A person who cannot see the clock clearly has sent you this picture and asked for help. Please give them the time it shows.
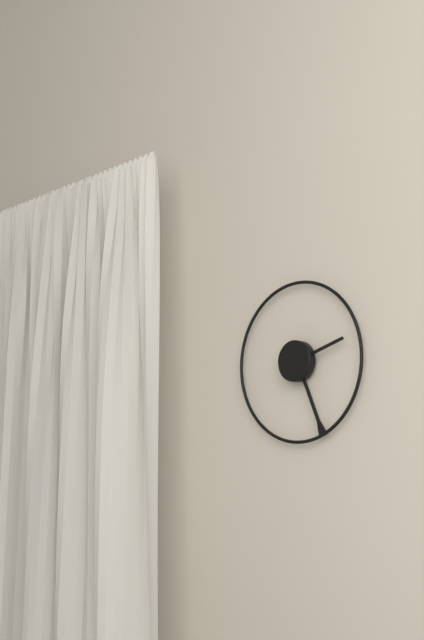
2:26
